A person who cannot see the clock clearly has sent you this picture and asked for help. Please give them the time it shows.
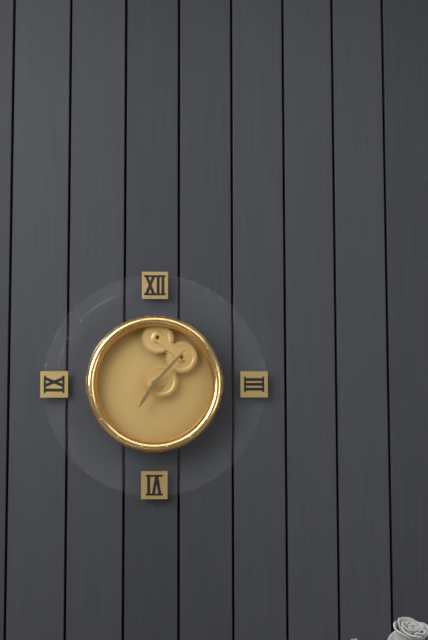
7:07
